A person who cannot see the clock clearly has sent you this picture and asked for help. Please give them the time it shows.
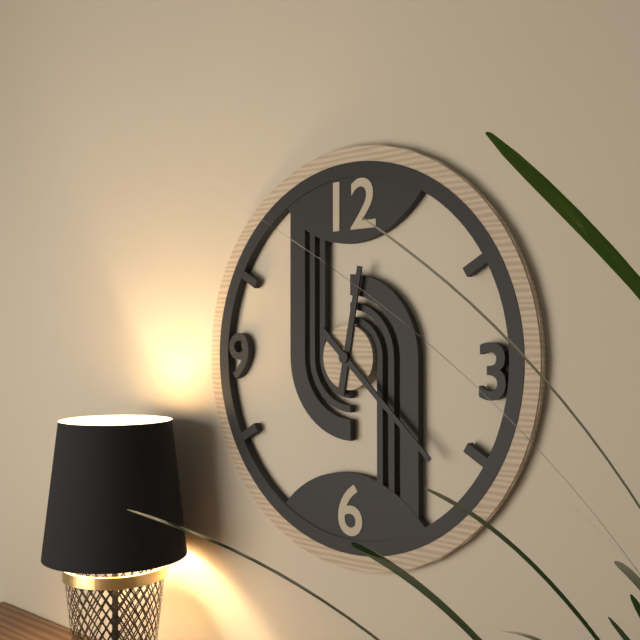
12:22
